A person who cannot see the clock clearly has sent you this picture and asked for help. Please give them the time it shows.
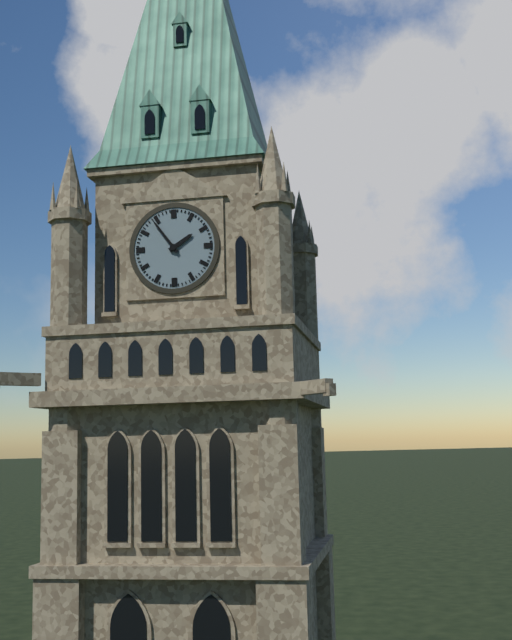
1:54
